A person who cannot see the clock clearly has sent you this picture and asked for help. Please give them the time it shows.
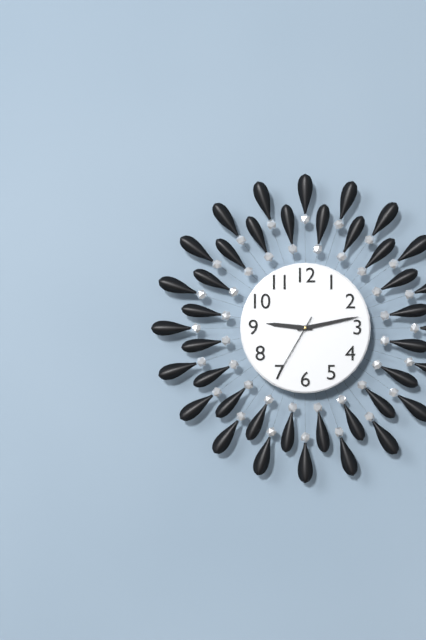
9:13:35
